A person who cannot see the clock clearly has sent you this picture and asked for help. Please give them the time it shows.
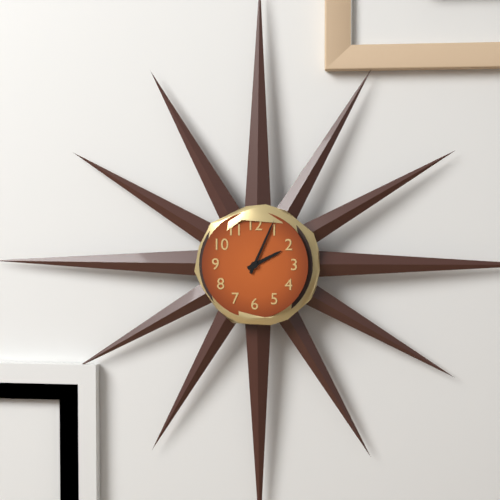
2:04
